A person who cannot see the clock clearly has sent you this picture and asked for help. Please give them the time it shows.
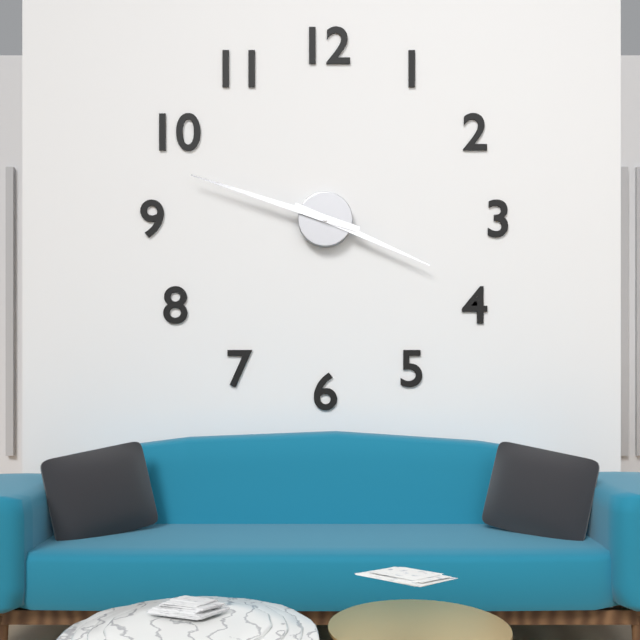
3:48
